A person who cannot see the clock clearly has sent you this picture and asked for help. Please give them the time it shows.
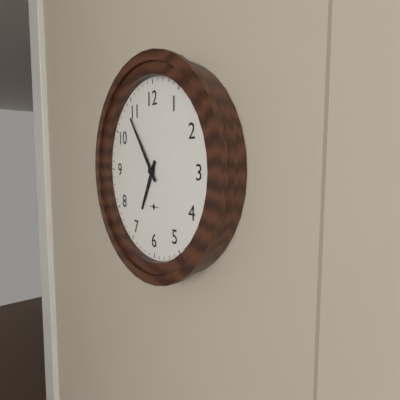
6:54
